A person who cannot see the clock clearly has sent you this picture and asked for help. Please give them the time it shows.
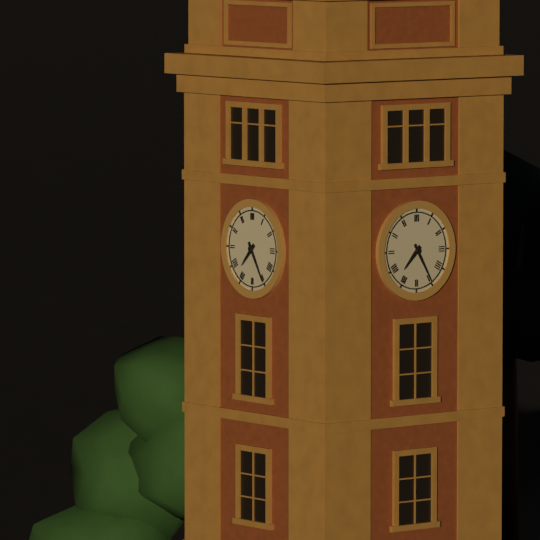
7:25
